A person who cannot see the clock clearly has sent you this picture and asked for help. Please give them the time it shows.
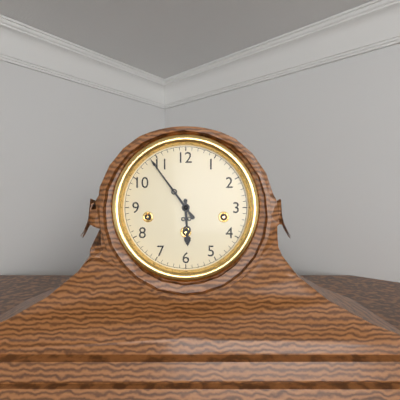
5:54
